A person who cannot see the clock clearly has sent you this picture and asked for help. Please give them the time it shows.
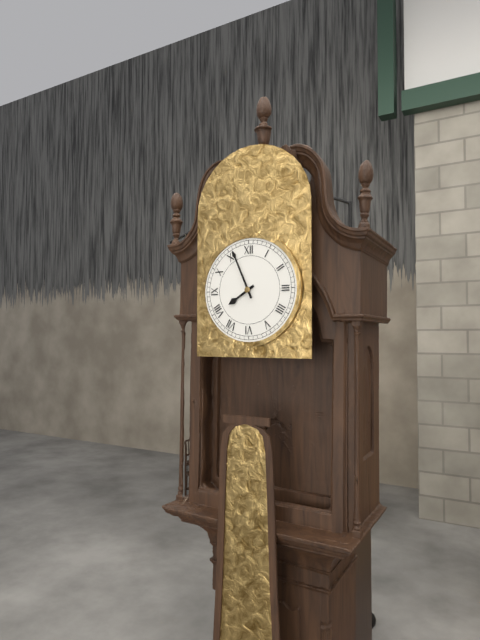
7:56
